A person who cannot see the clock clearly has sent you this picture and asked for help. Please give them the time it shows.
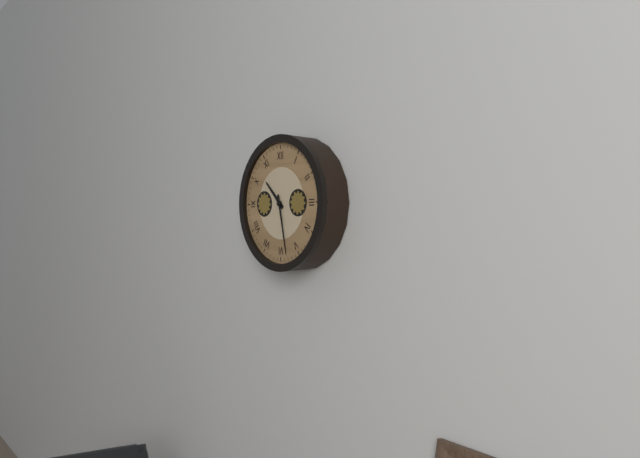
10:28
